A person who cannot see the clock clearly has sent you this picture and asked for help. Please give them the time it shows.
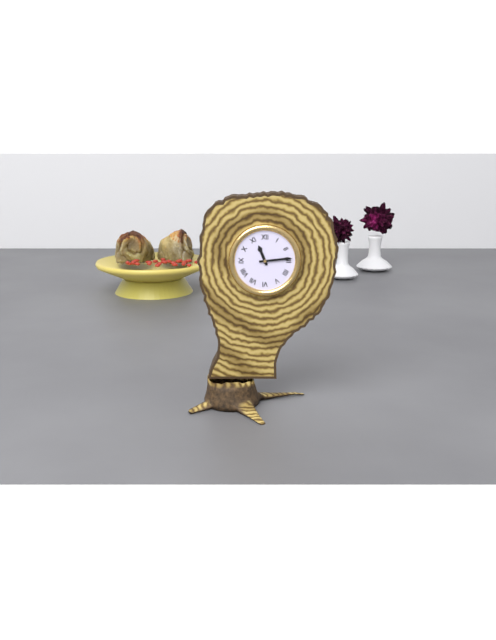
11:14
